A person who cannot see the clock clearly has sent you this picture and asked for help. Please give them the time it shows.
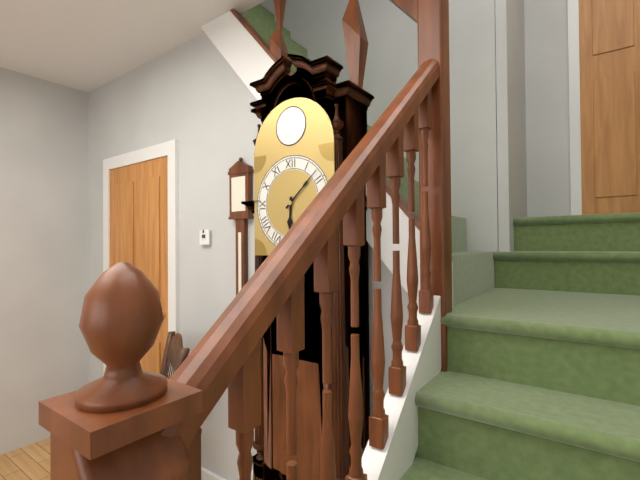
6:08
